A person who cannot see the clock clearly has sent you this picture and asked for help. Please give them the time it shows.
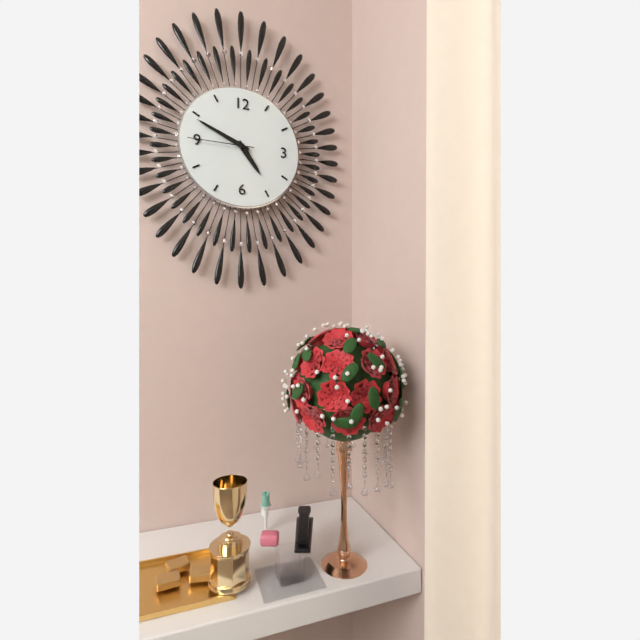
4:49:45
